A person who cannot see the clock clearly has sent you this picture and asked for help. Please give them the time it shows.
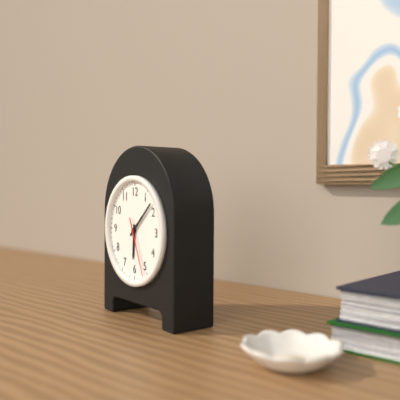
6:08:26
